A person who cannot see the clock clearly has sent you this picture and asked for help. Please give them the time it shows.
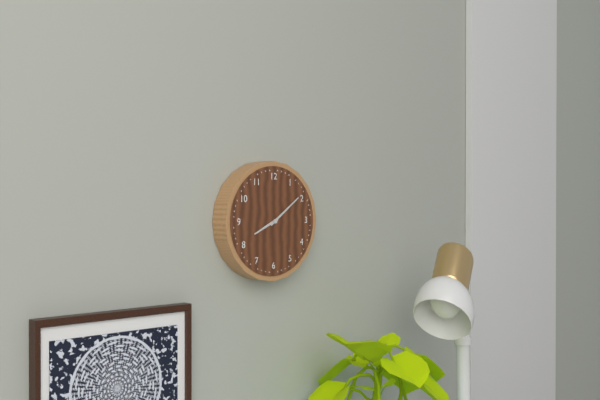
8:09
